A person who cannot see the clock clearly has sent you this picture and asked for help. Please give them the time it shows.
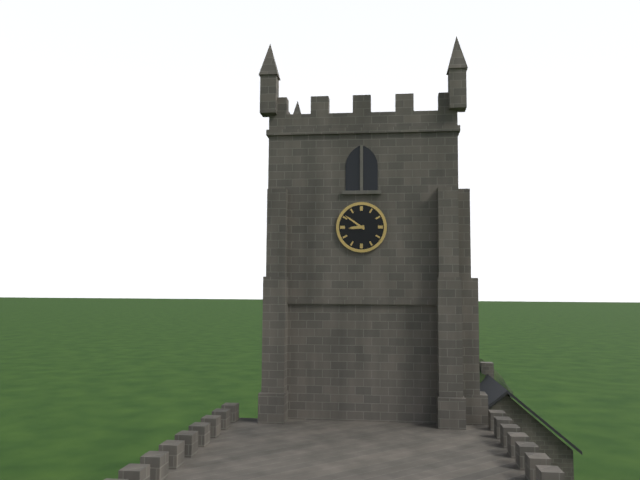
8:51
